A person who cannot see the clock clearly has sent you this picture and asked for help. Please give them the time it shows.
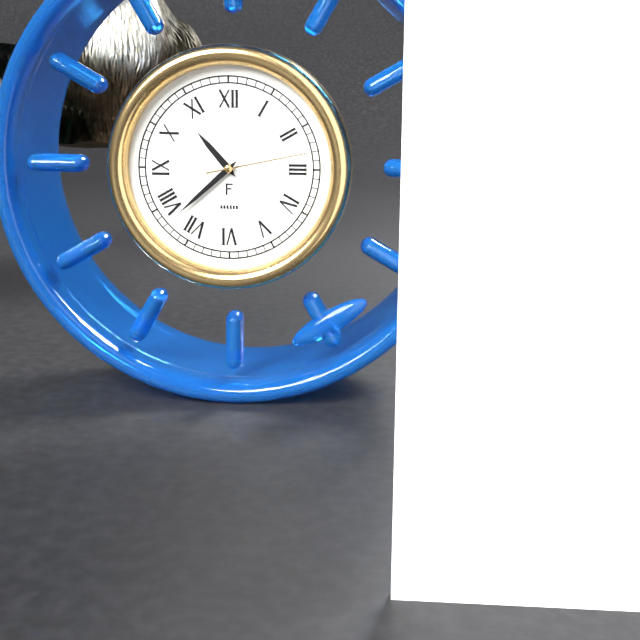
10:38:13
